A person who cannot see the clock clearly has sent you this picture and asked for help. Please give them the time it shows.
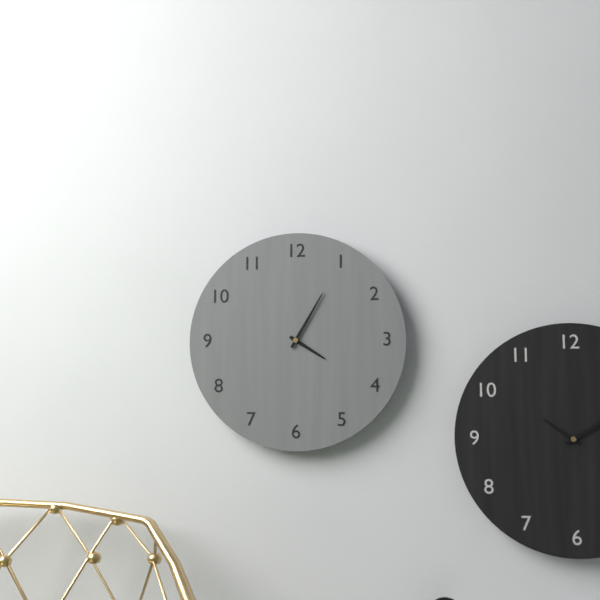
4:05
